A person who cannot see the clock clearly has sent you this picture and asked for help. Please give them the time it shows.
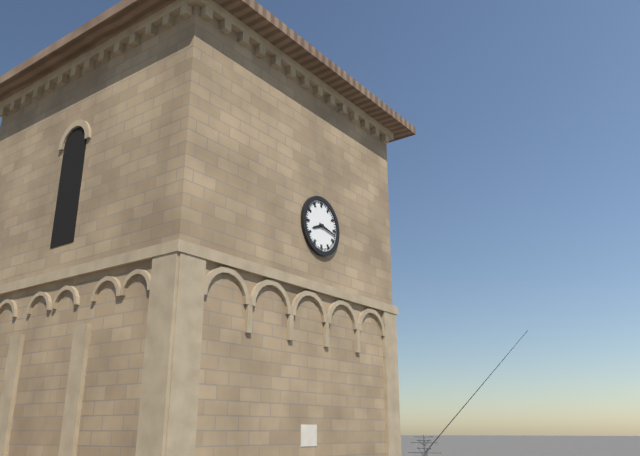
8:17
